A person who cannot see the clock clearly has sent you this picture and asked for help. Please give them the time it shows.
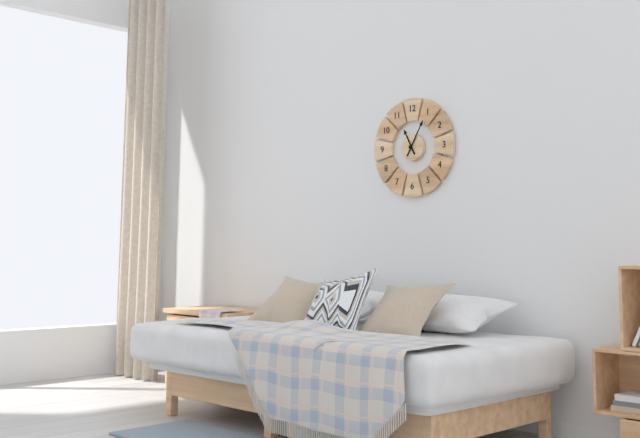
11:05
